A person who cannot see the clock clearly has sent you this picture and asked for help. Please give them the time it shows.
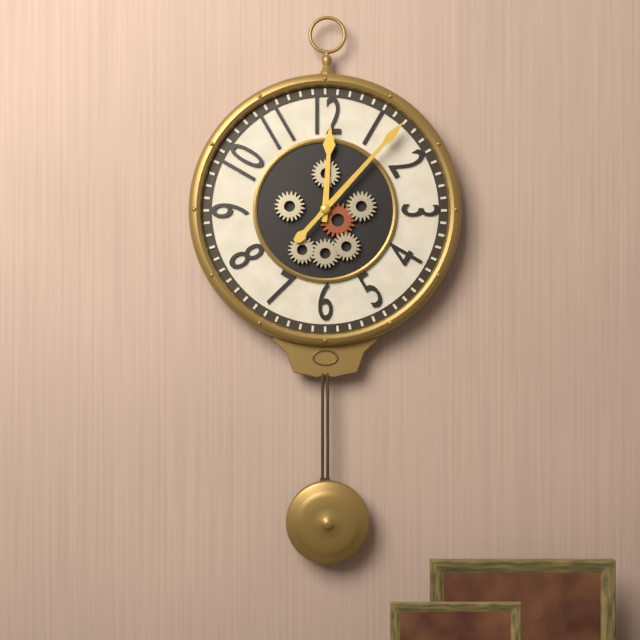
12:07
